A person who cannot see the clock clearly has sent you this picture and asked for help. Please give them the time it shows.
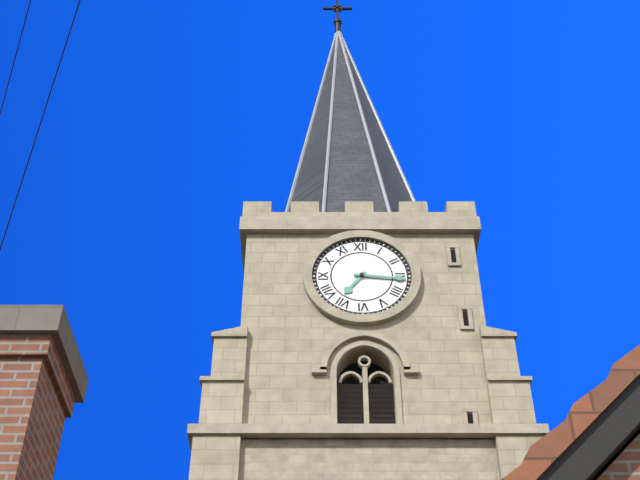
7:16
